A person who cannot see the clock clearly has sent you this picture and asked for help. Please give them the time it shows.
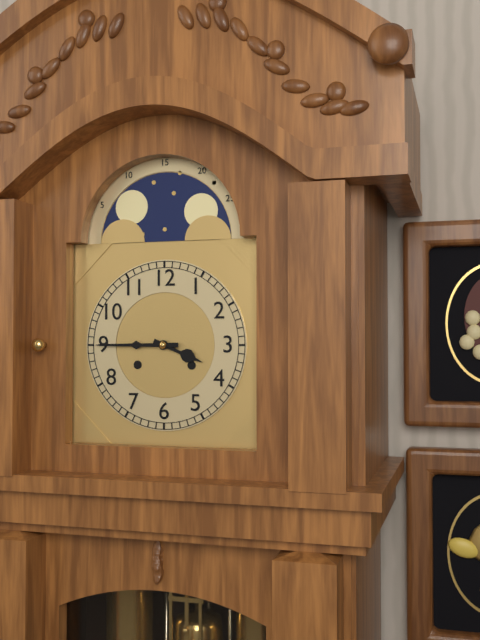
3:45
